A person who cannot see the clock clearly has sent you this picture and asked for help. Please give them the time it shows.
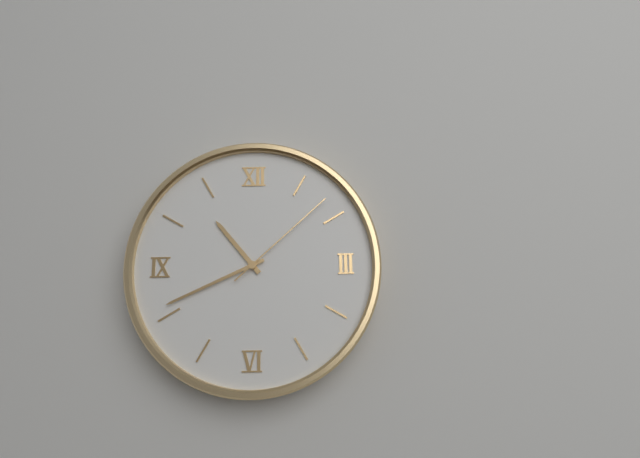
10:41:08
